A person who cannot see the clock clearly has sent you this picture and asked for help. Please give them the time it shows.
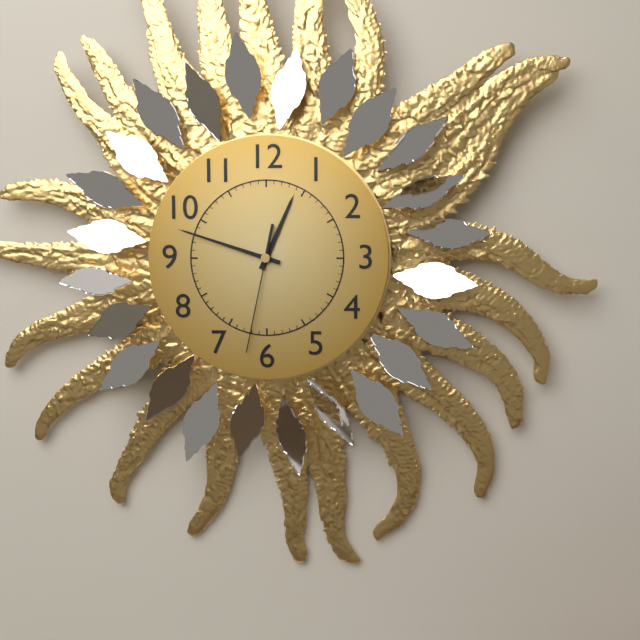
12:48:32
